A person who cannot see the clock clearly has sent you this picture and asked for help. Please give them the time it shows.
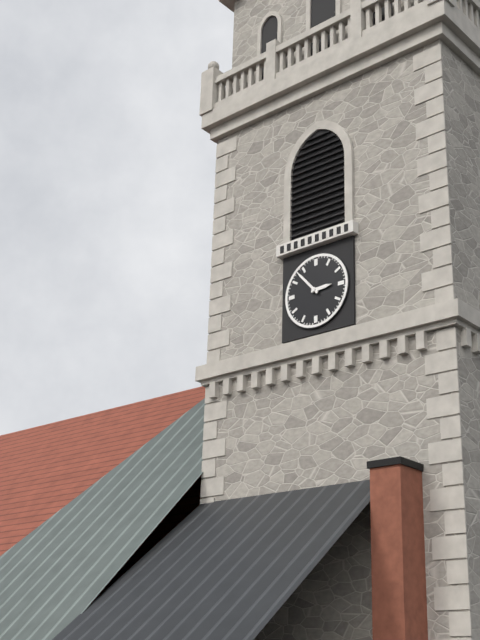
2:53
